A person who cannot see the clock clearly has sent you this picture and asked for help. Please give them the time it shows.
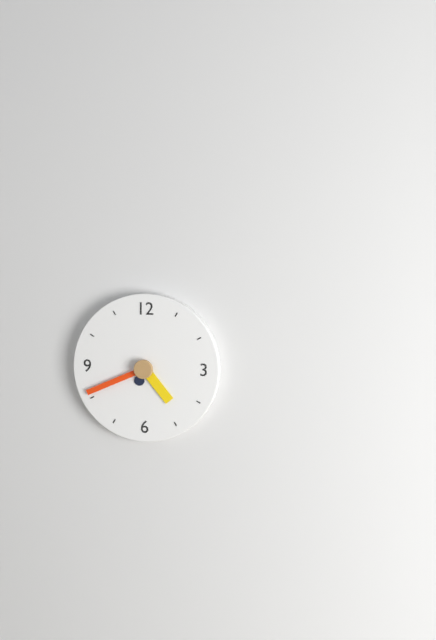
4:41
